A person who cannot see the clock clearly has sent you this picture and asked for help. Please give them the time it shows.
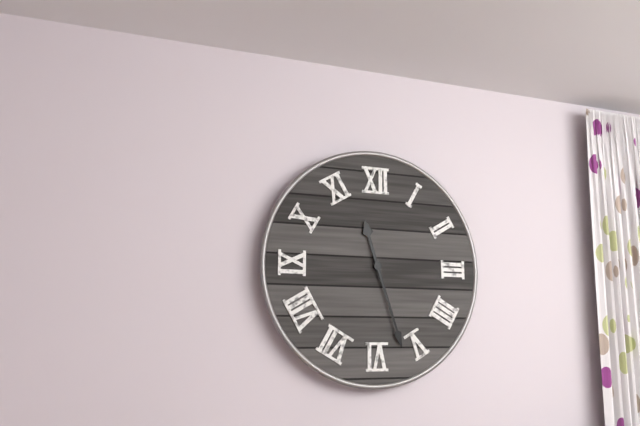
11:27
